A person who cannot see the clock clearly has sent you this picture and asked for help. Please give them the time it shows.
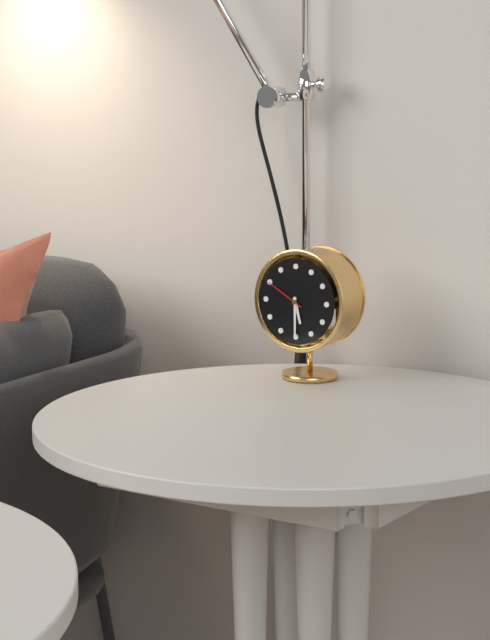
5:30
